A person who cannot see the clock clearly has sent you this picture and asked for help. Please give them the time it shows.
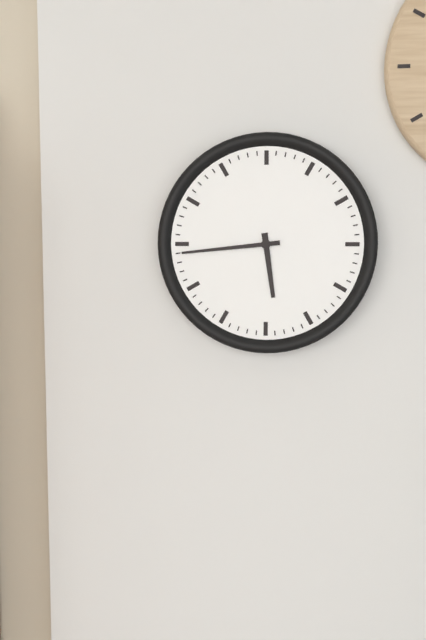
5:44
